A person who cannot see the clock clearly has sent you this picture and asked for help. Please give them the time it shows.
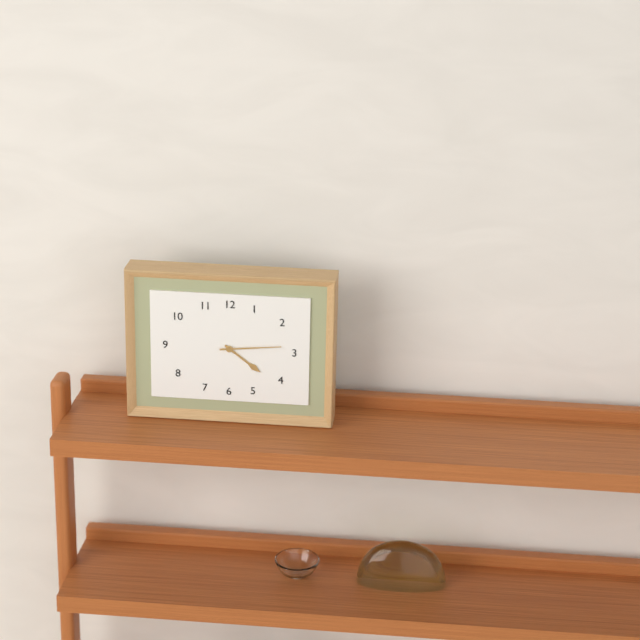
4:14
